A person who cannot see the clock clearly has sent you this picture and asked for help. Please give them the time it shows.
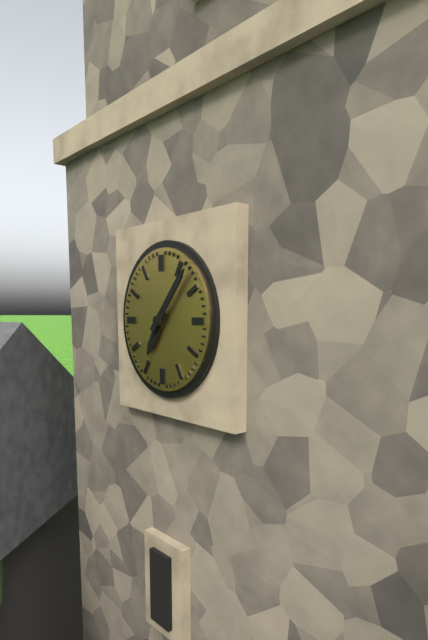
7:07
